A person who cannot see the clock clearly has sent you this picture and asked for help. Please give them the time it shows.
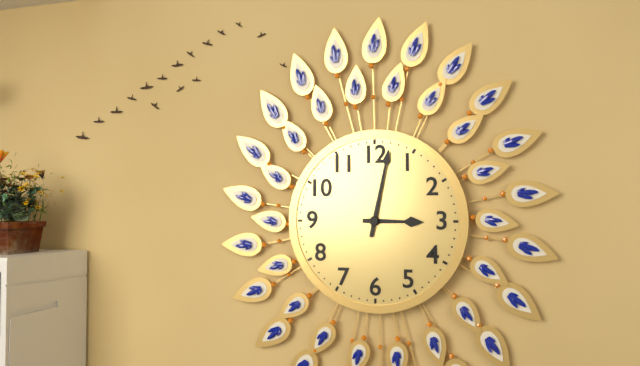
3:02
